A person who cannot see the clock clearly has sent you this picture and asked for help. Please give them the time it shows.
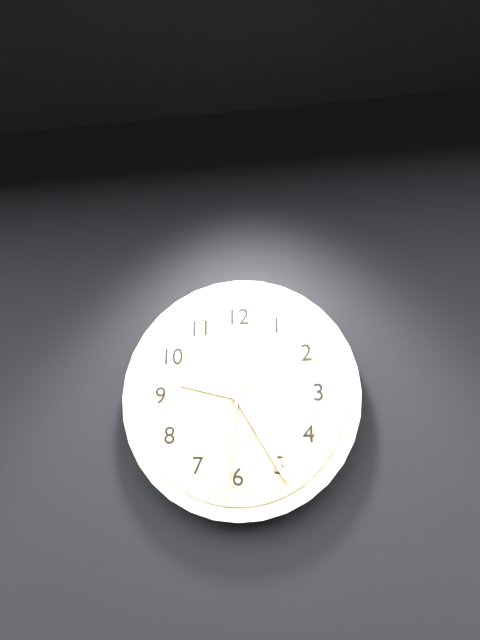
9:25:31
